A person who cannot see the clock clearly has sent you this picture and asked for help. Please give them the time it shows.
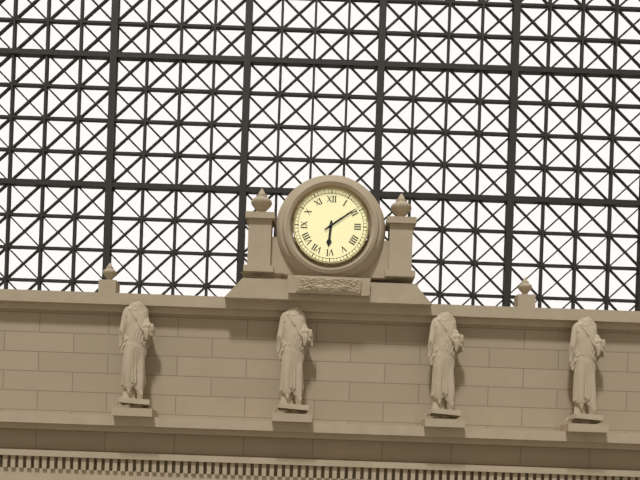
6:09
